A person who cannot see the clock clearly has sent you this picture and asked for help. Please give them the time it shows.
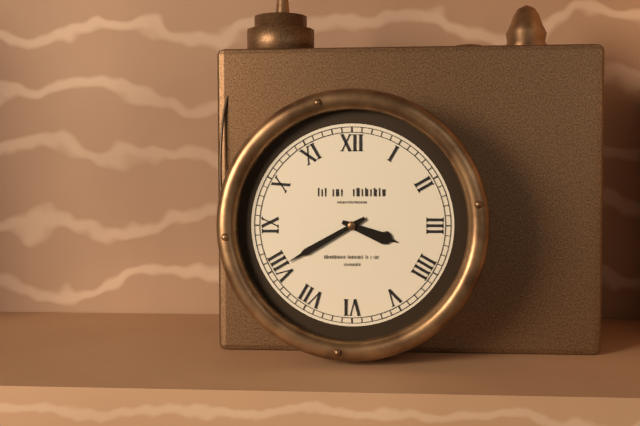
3:40
